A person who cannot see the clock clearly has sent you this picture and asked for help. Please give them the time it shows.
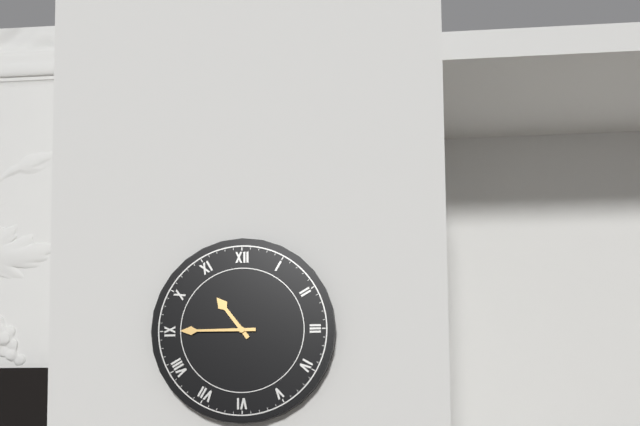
10:45
